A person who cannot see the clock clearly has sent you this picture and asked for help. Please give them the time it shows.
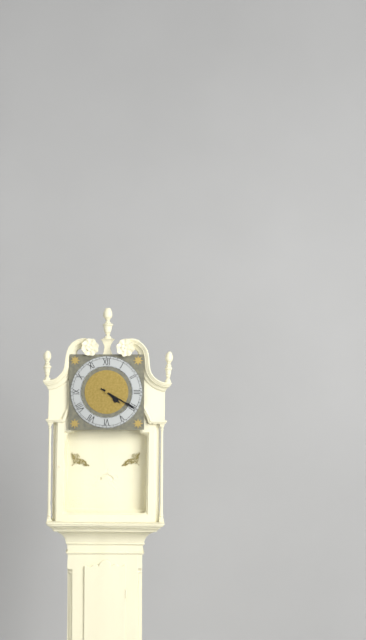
4:20
